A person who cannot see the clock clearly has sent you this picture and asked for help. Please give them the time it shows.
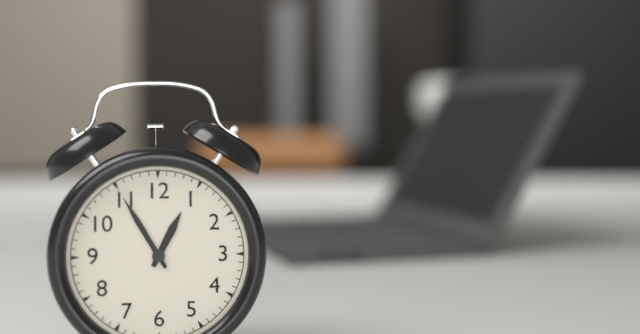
12:55
